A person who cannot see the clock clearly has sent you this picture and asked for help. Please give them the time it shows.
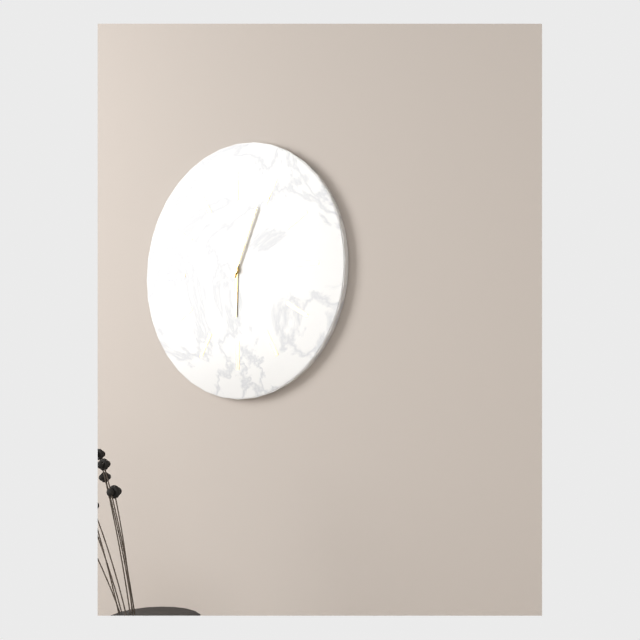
6:04
